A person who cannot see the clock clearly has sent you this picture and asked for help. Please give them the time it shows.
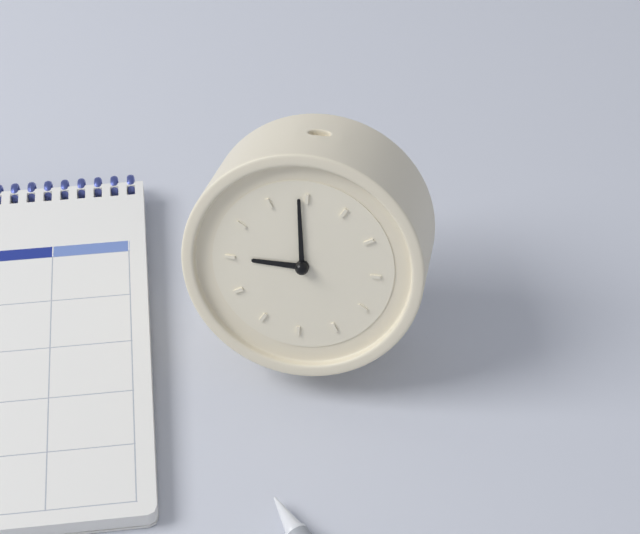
8:59
